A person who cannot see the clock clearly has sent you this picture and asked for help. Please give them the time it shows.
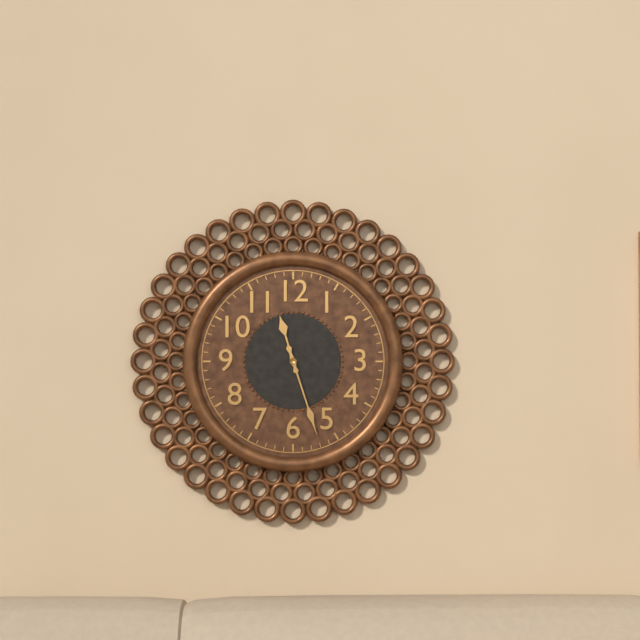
11:27
